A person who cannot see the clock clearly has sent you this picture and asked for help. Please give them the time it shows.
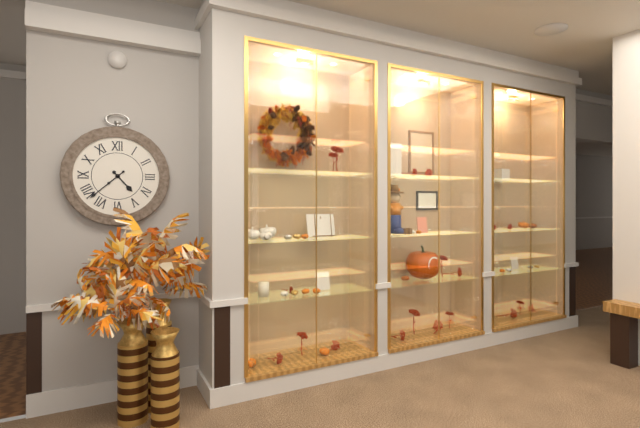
4:38
